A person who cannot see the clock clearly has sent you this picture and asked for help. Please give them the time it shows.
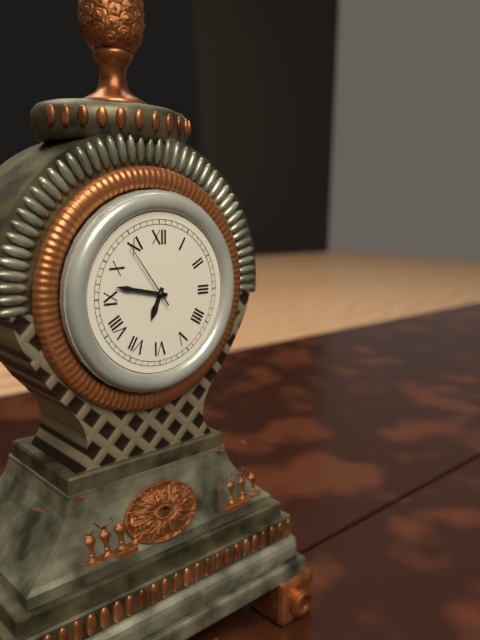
6:47:54
